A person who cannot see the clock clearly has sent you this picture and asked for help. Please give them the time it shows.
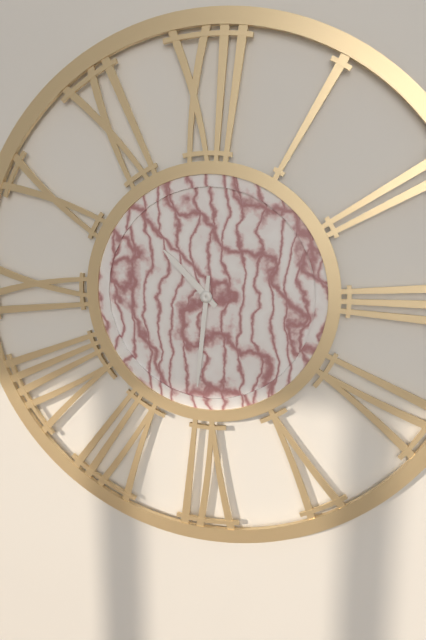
10:31
